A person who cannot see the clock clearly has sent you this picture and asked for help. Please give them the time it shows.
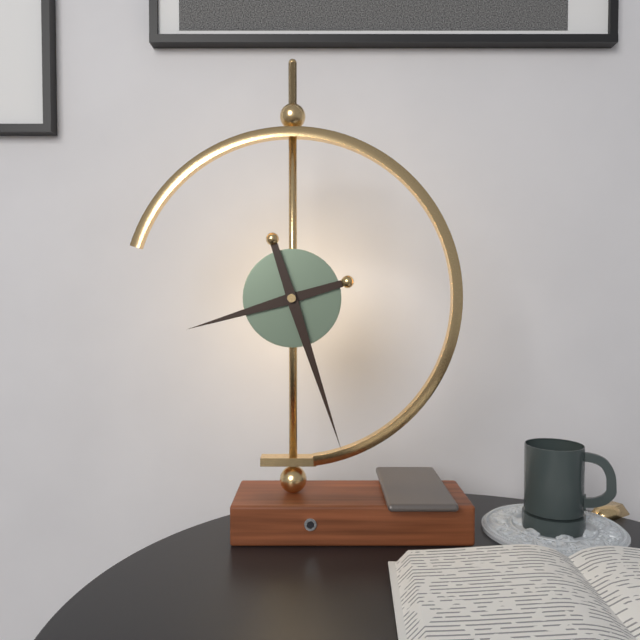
8:27
